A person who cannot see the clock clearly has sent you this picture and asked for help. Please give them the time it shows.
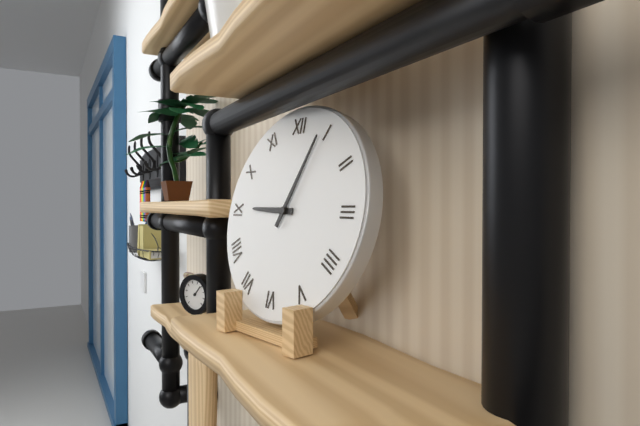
9:04
